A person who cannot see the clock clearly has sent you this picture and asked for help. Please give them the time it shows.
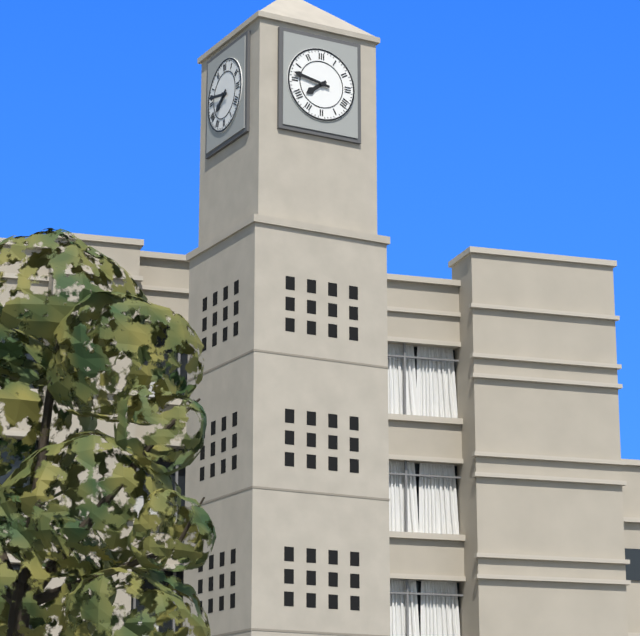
7:47
